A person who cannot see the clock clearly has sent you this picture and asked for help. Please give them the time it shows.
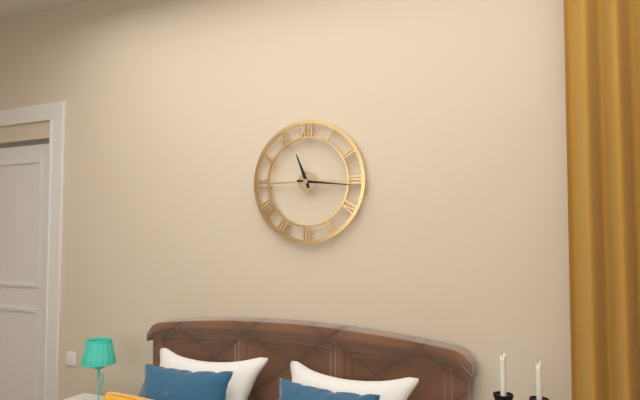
11:16
